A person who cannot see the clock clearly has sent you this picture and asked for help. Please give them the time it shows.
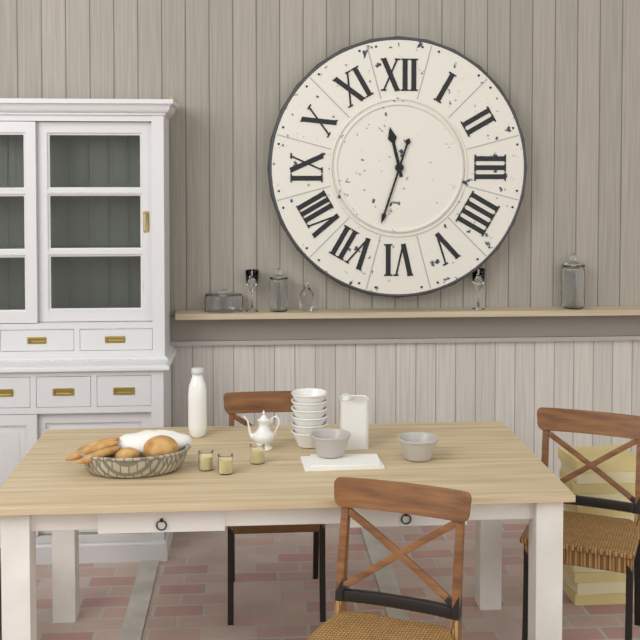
11:33
